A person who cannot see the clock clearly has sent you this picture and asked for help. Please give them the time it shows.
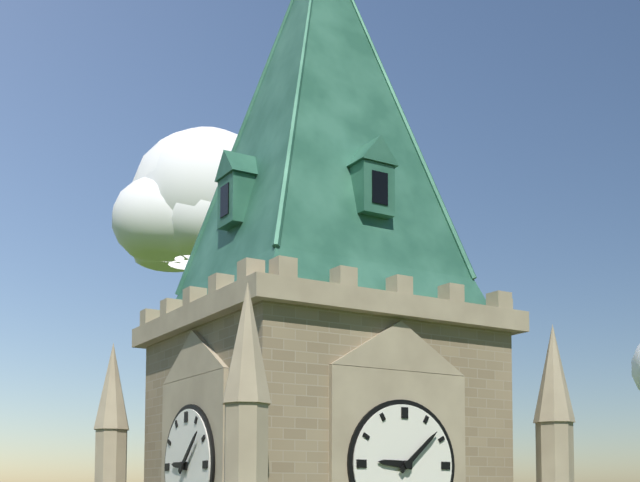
9:08
